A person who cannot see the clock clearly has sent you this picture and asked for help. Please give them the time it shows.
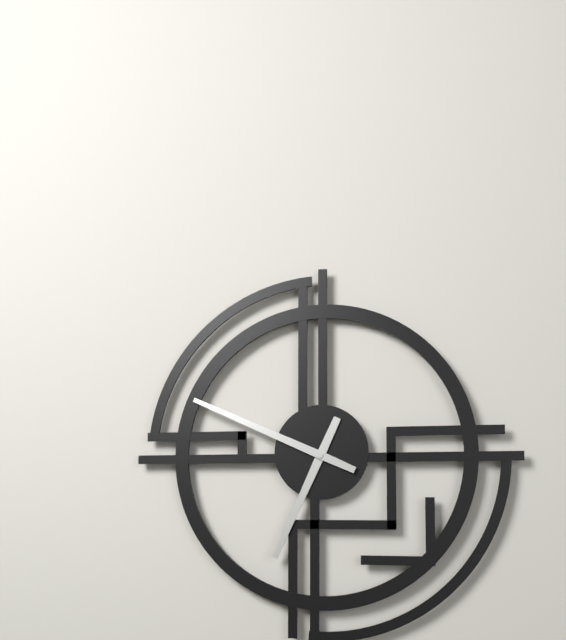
6:49
